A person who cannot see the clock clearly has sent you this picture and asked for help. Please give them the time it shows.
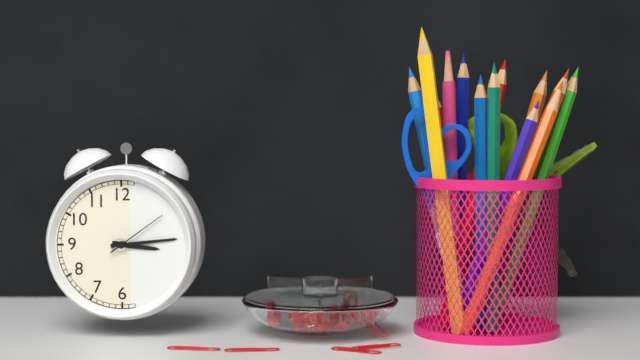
3:14:09
